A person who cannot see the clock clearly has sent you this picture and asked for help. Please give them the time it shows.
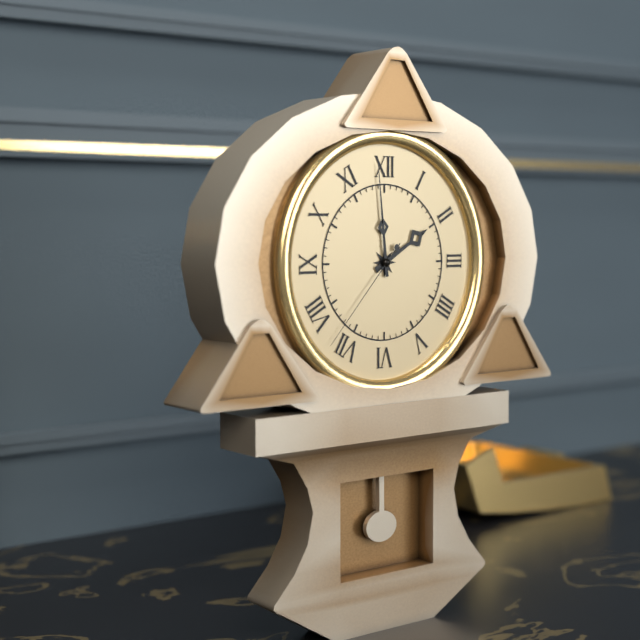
1:59:37
